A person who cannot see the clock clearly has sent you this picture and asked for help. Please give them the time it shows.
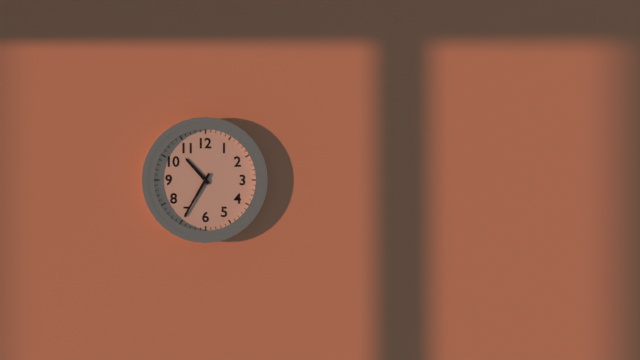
10:35
